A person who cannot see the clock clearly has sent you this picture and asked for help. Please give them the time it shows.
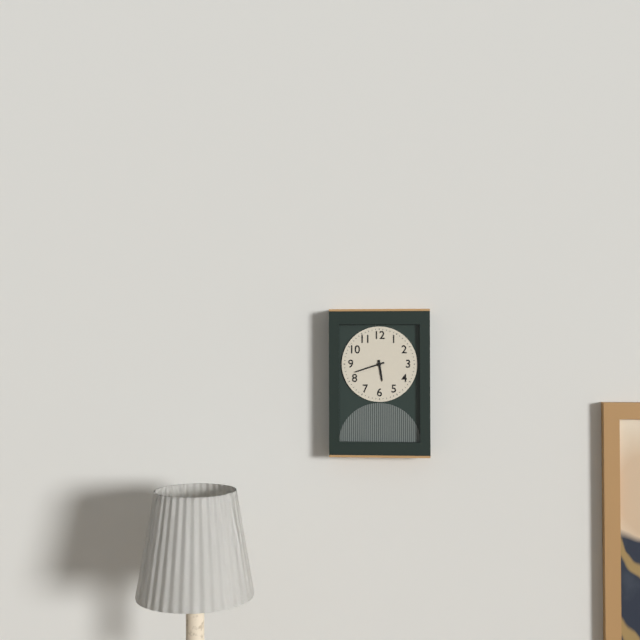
5:42
